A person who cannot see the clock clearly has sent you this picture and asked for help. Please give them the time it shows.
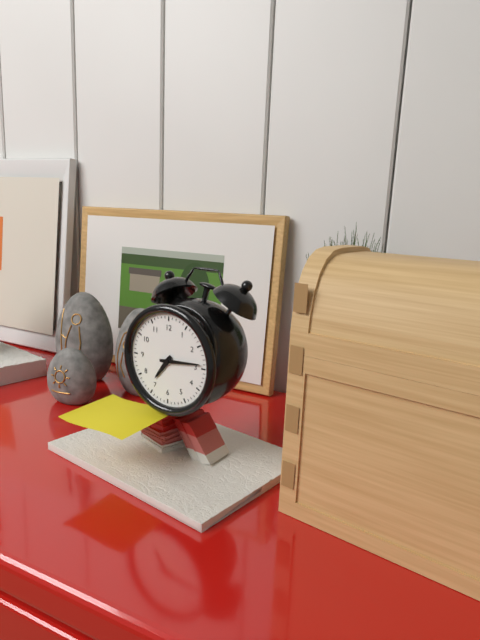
7:14
